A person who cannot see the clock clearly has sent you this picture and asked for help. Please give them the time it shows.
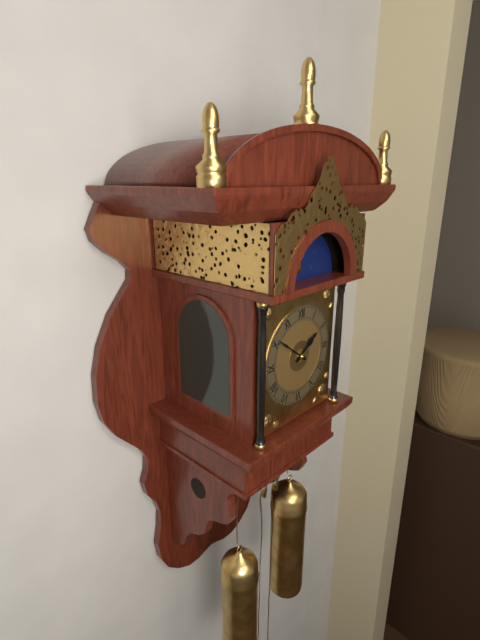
1:51
